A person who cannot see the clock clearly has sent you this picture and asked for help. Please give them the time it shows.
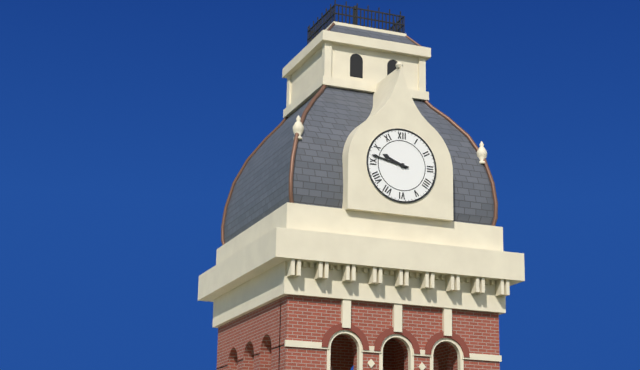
9:47
